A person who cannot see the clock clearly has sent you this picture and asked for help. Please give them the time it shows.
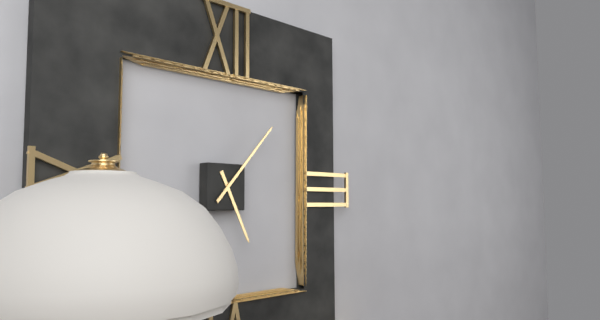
5:07
